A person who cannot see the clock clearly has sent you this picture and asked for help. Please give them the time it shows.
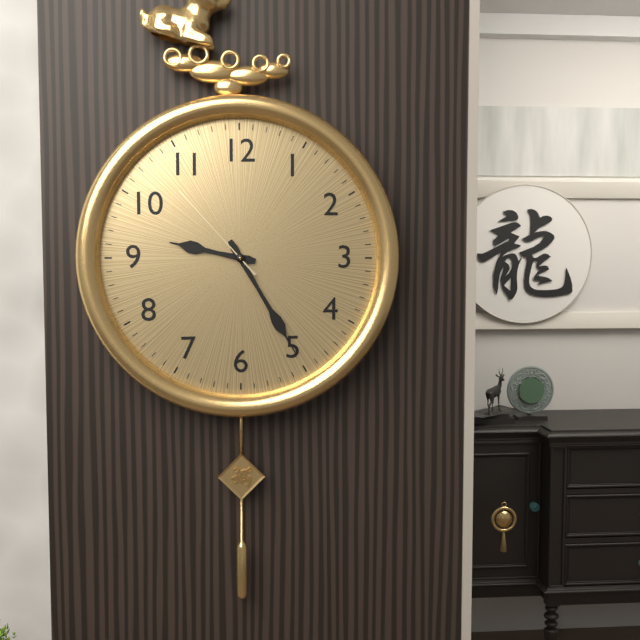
9:25:53
